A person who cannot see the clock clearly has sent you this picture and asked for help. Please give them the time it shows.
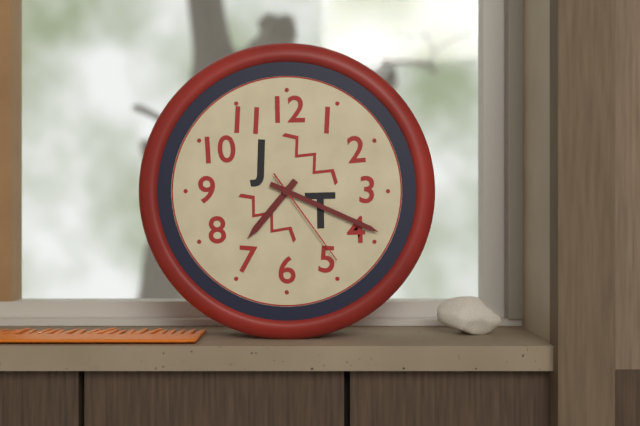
7:19:24
